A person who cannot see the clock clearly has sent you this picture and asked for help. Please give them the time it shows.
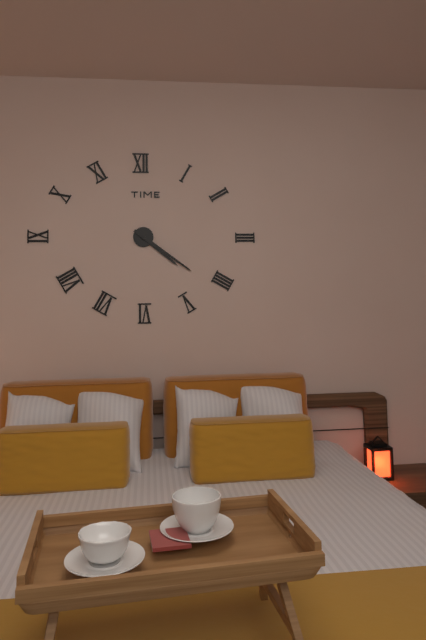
4:21
